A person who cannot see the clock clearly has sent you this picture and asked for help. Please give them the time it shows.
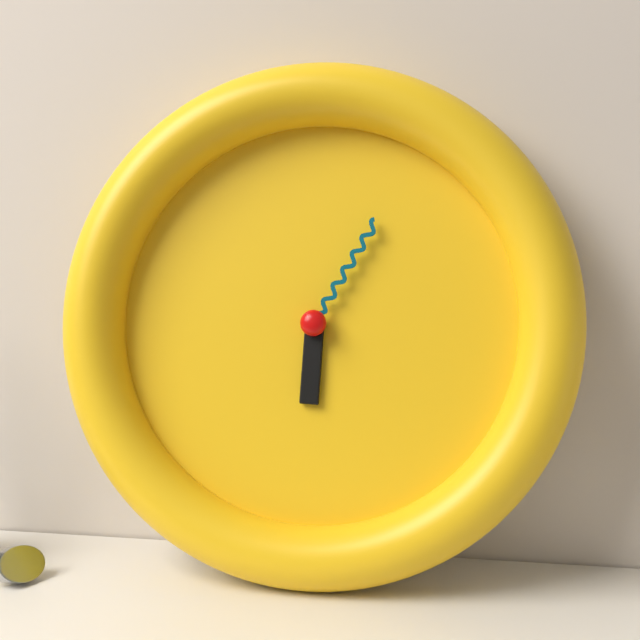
6:05
